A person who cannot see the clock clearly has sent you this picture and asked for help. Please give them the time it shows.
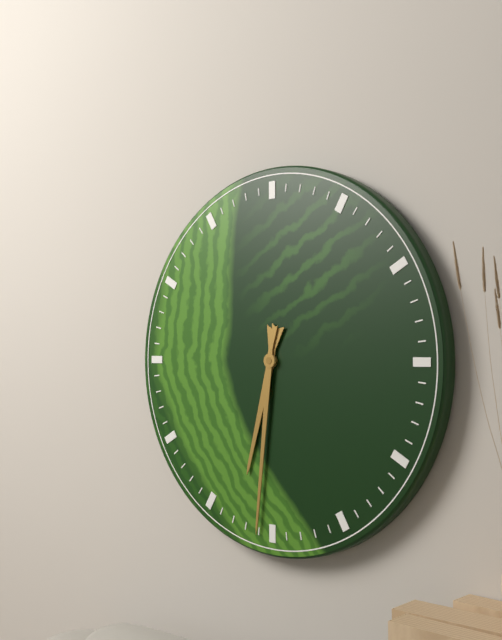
6:31
